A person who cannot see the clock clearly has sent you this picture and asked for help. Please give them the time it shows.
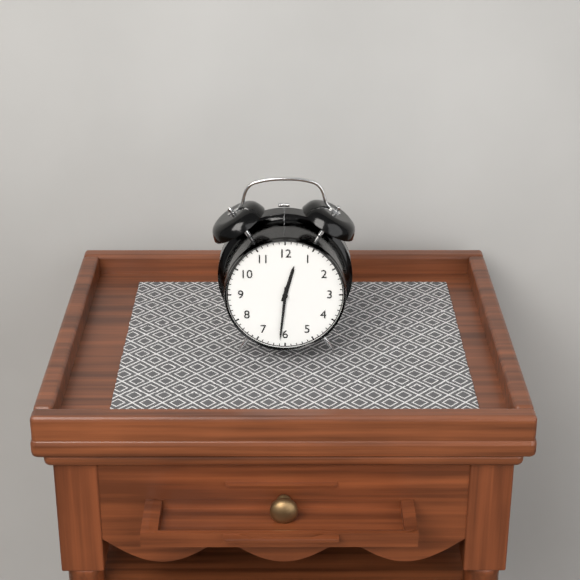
12:31
